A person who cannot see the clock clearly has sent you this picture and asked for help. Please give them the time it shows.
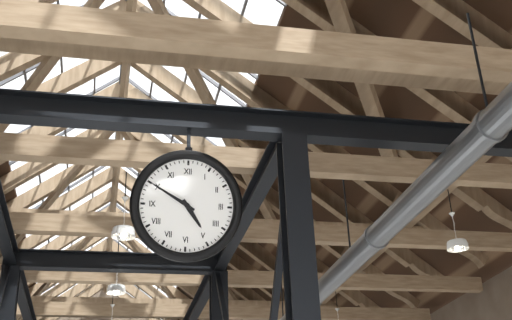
4:50
